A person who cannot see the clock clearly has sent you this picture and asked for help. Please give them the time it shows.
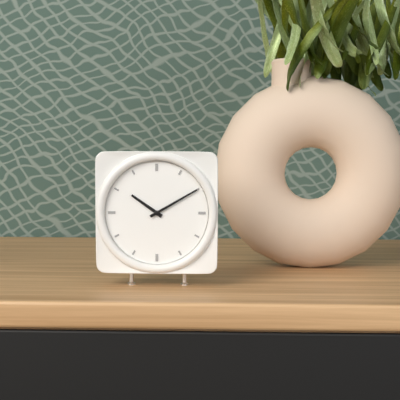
10:10
